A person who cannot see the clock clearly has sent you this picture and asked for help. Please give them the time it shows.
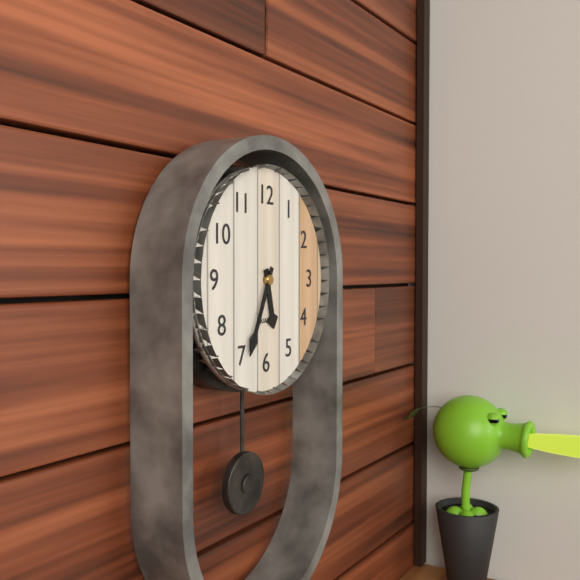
5:34
